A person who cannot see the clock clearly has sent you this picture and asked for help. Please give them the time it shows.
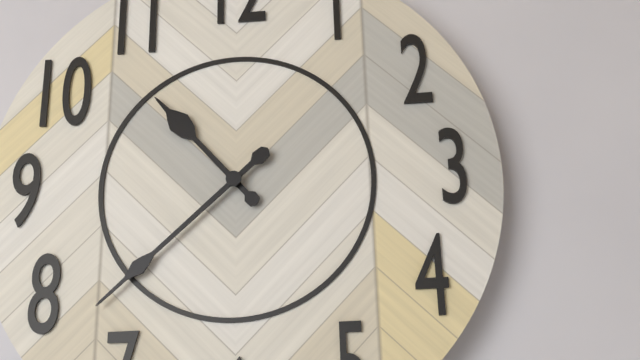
10:38
